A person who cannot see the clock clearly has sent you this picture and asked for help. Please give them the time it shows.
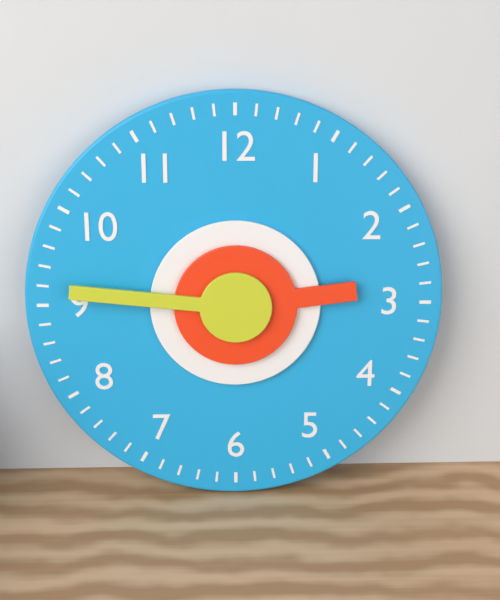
2:46
